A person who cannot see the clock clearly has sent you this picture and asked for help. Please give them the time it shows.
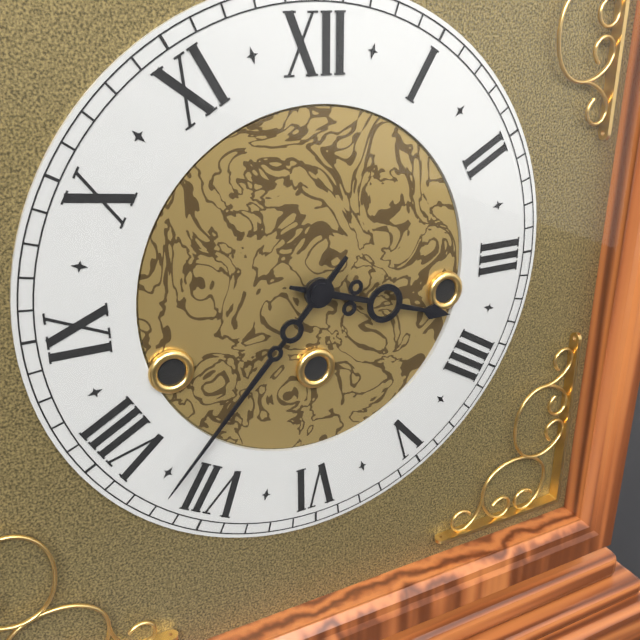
3:37
